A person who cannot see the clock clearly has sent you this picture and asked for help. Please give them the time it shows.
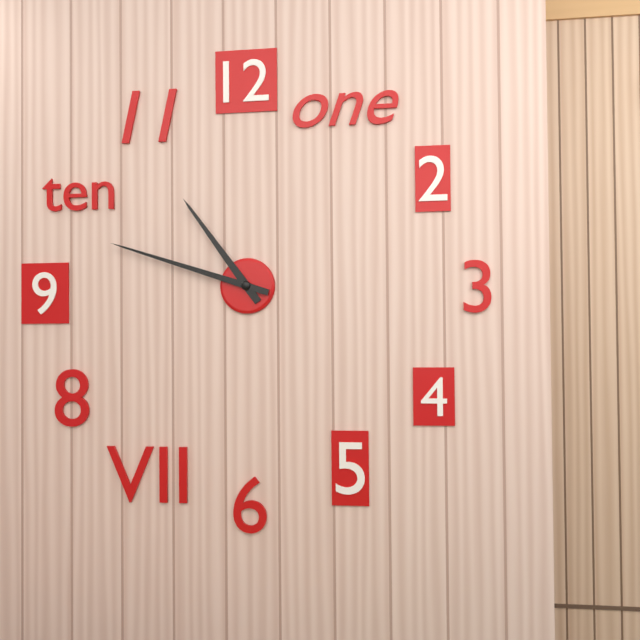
10:48
